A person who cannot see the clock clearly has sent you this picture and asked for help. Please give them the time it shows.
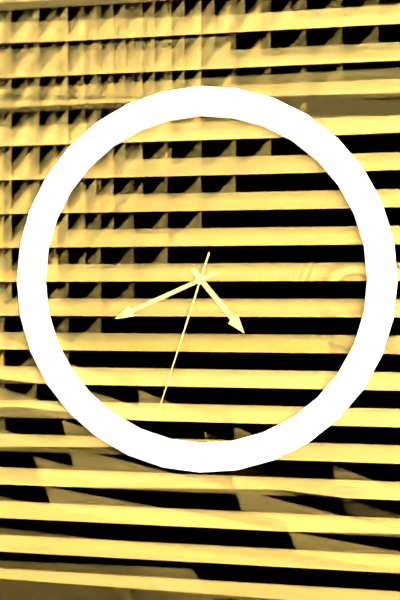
4:41:33
